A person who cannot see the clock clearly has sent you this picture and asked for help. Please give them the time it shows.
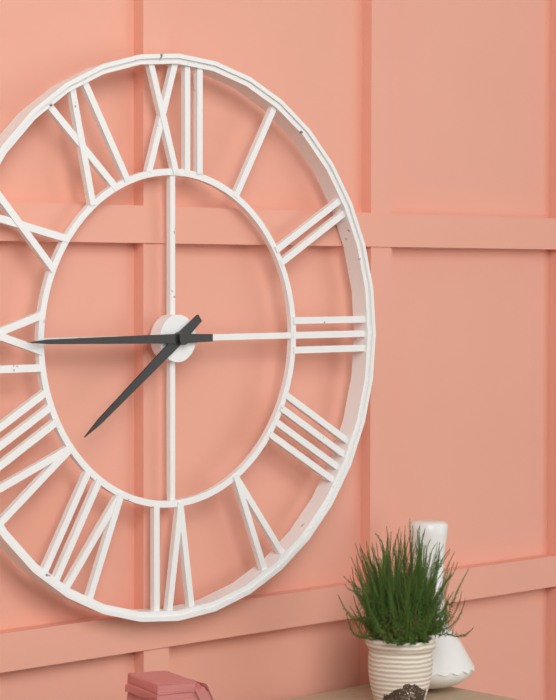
7:45
